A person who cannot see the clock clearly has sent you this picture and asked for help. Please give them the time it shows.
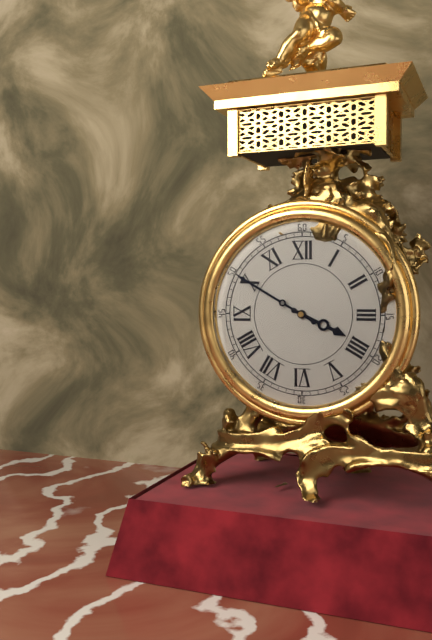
3:50
